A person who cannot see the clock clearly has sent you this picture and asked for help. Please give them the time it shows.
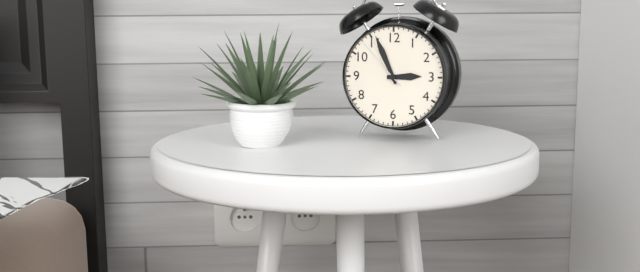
2:56:53
